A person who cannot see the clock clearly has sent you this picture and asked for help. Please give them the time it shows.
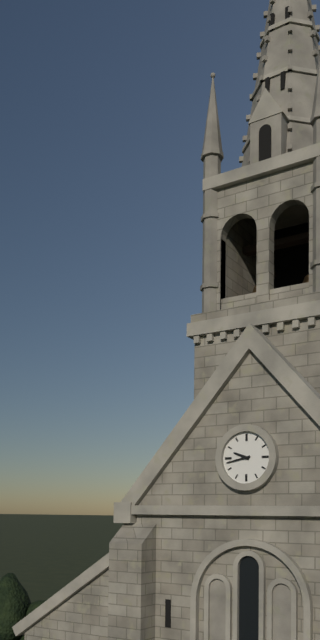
9:43
